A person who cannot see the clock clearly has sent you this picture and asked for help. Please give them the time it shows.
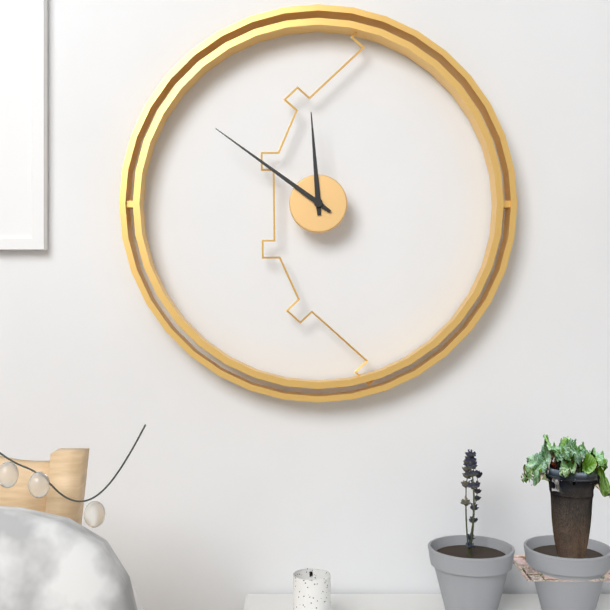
11:51
